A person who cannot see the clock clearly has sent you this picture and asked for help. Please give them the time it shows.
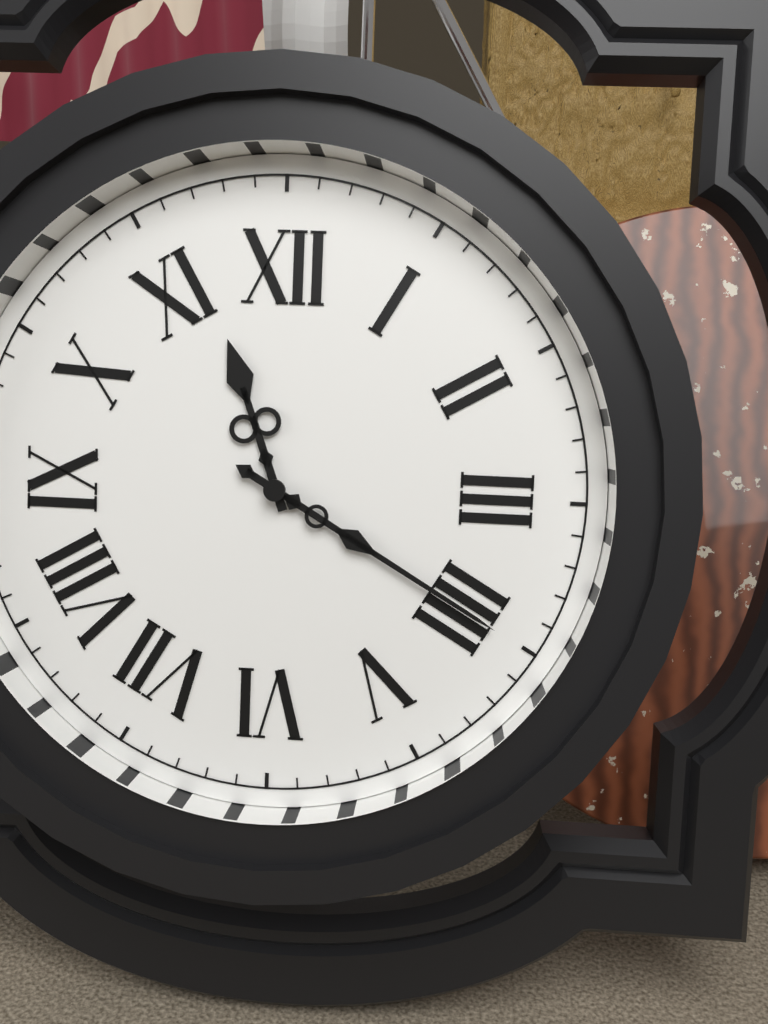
11:20
